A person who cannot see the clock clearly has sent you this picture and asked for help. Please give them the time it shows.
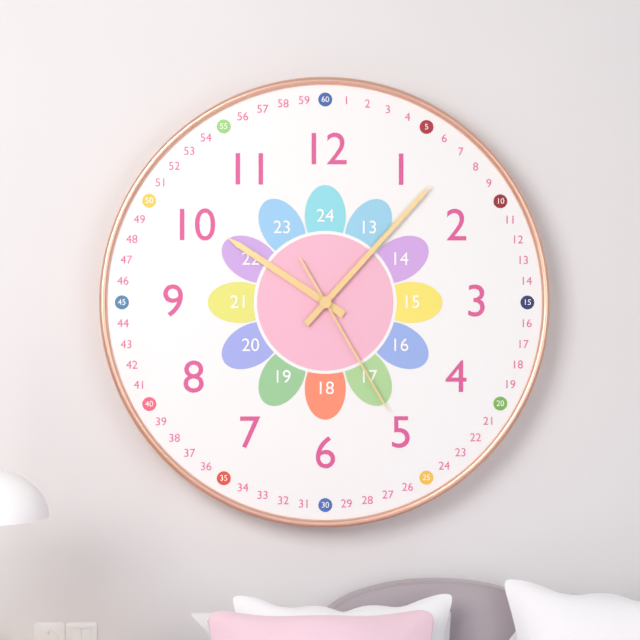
10:07:25
